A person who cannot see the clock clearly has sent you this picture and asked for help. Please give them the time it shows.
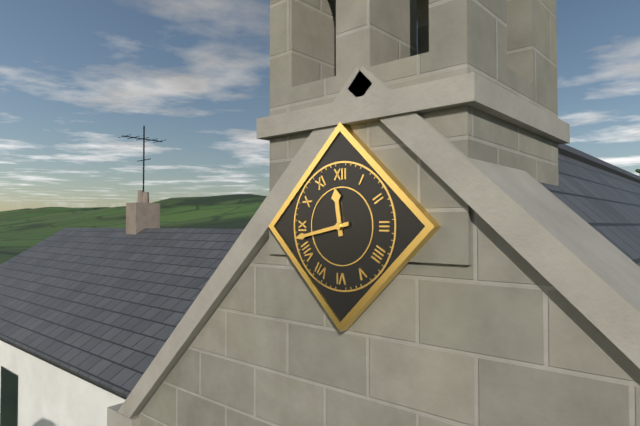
11:43
